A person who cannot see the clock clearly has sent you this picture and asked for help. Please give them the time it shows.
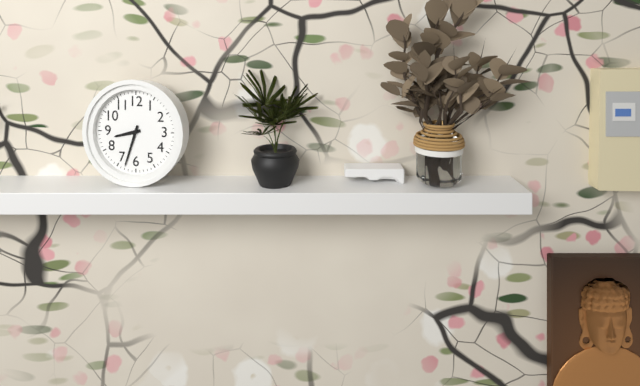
8:33
